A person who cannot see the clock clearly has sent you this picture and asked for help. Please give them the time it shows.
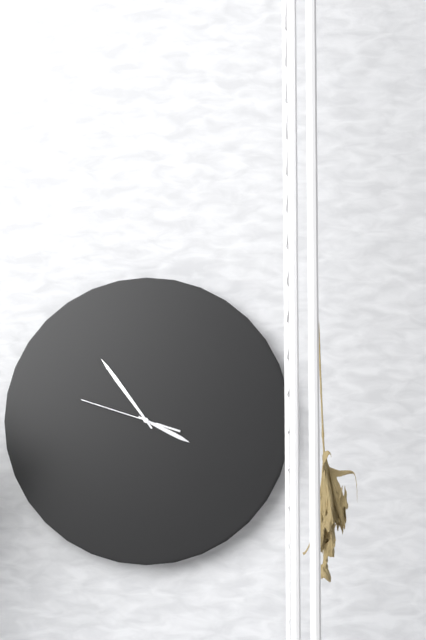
3:54:48
